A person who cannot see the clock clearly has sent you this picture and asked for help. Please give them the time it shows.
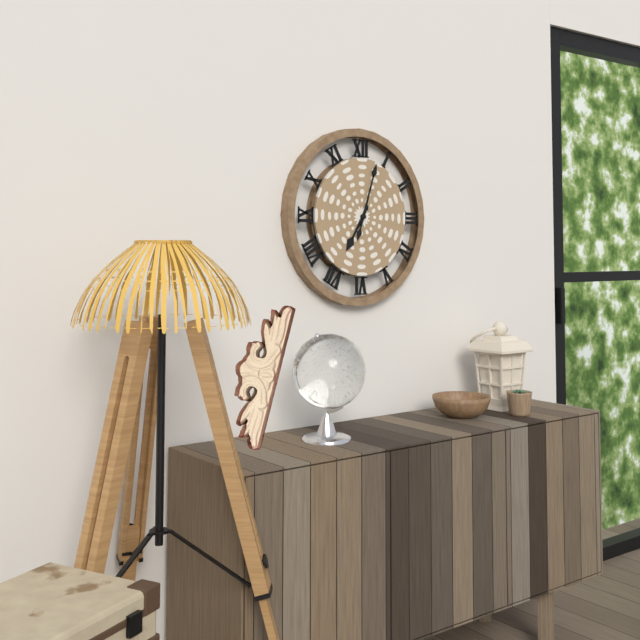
7:03
